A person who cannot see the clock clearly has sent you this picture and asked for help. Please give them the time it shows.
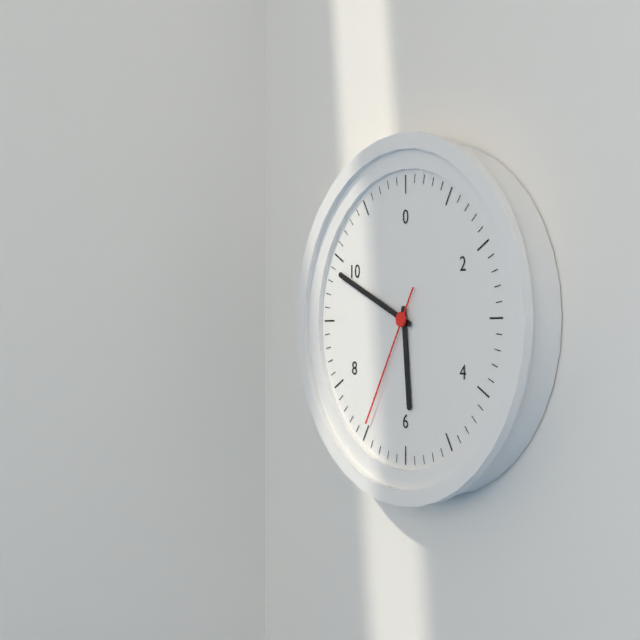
5:49:35
